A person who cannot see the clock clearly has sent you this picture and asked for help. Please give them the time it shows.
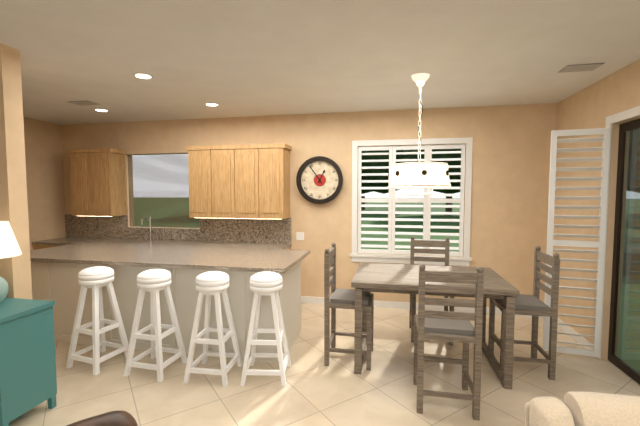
12:54
